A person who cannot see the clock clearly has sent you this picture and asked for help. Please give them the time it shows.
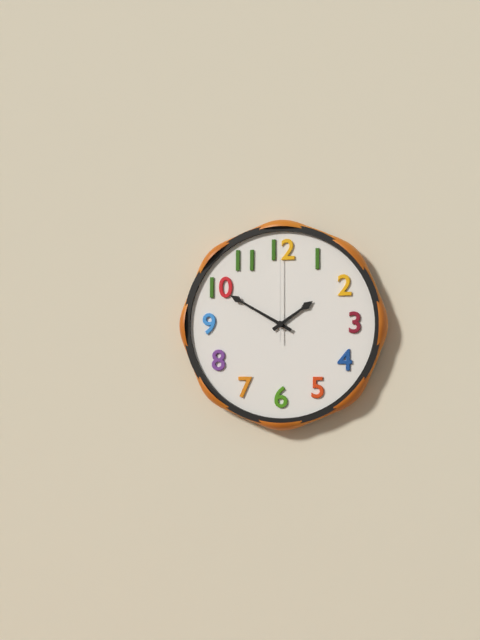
1:50:00
